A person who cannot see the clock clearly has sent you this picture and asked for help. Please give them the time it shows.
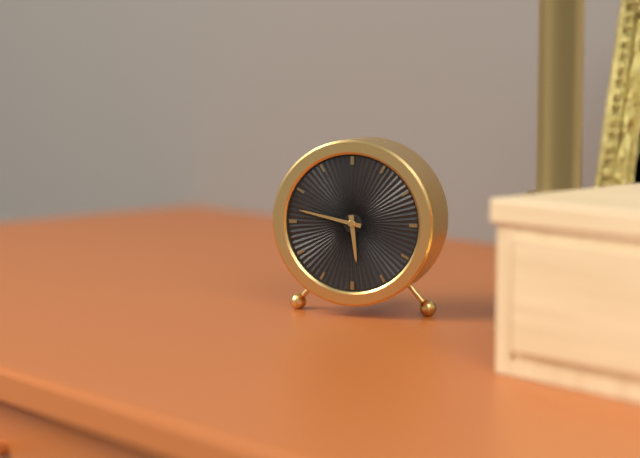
5:47
